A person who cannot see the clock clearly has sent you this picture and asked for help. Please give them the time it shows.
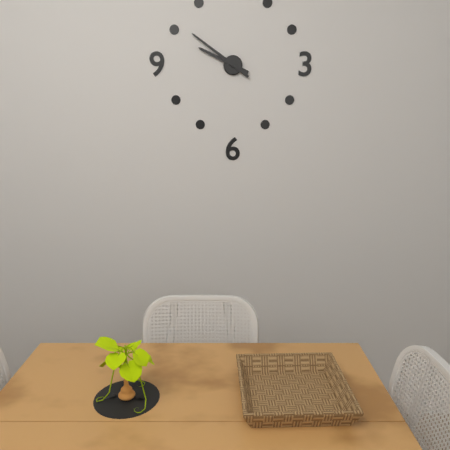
9:51
